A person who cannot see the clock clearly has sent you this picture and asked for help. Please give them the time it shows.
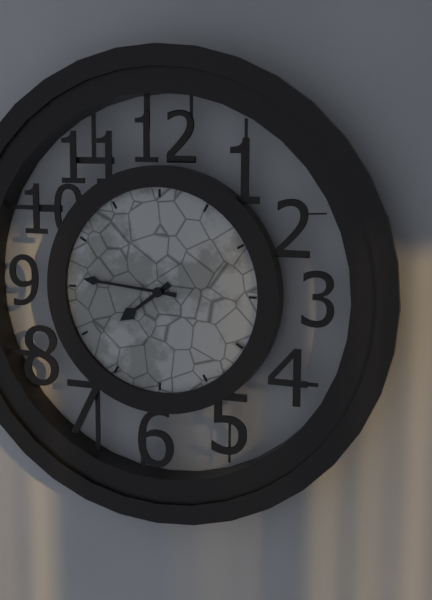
7:46
